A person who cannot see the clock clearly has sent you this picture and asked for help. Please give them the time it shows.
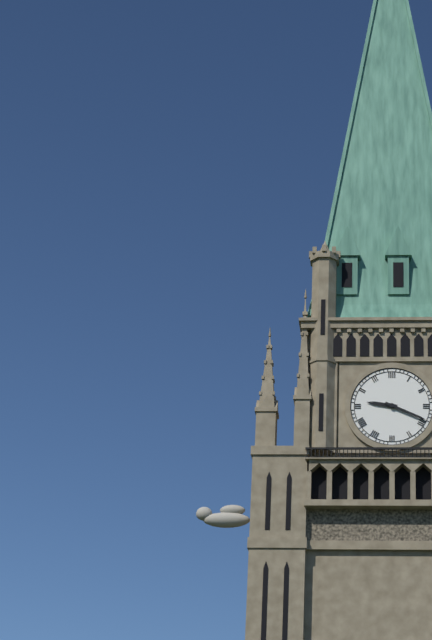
9:19
